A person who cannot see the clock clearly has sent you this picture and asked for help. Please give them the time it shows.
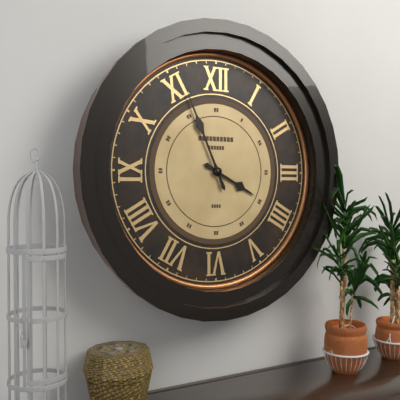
3:56
